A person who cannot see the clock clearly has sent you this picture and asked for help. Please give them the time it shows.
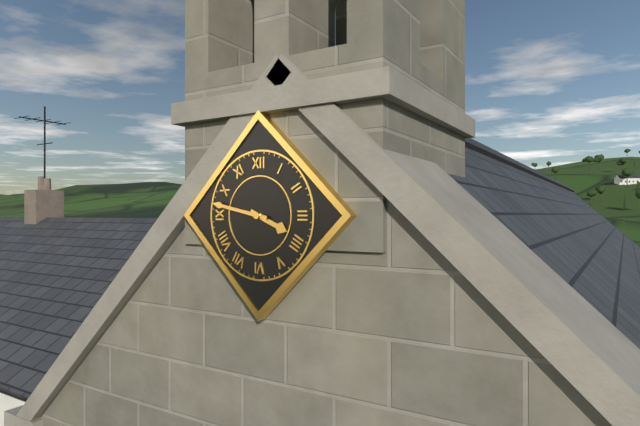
3:47
